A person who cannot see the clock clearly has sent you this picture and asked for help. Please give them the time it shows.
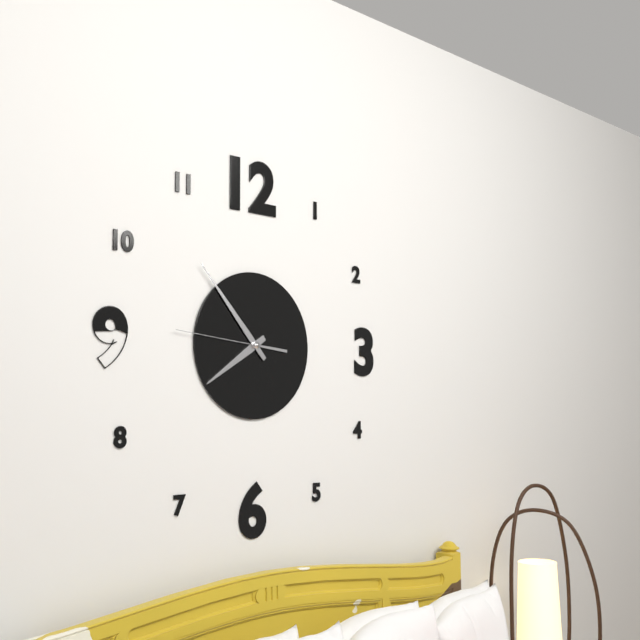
7:53:46
